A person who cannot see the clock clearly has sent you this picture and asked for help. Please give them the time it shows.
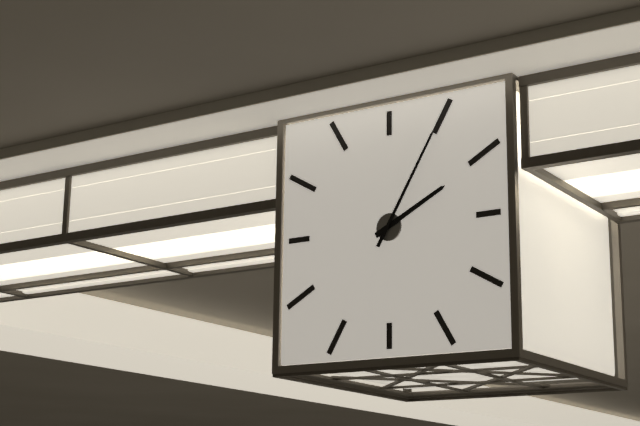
2:05
